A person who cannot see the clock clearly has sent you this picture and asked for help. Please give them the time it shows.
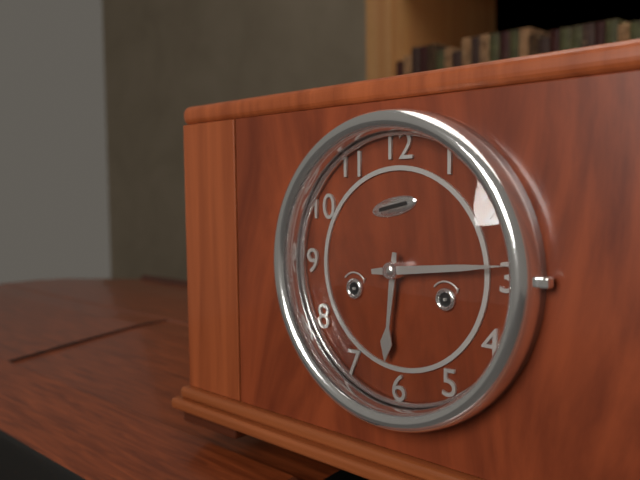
6:14
